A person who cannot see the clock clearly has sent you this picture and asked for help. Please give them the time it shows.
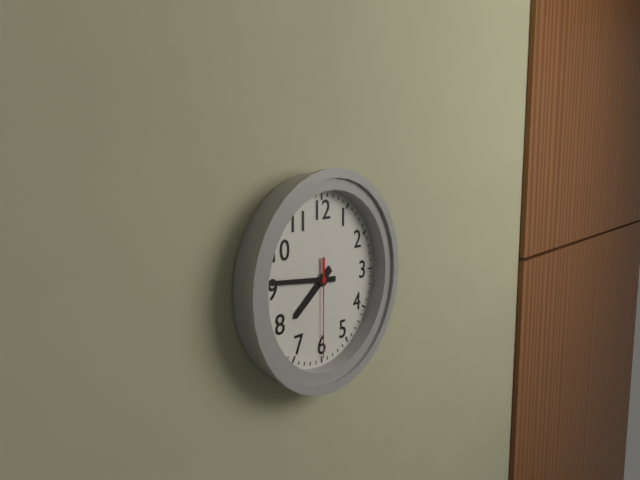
7:46:30
